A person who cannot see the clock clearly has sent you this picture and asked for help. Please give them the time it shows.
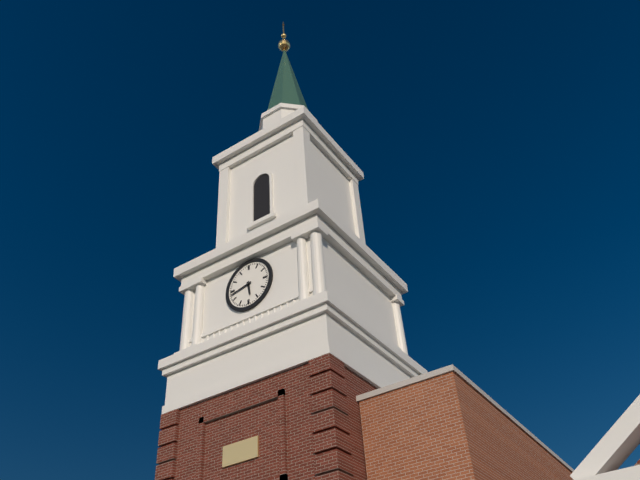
5:43
